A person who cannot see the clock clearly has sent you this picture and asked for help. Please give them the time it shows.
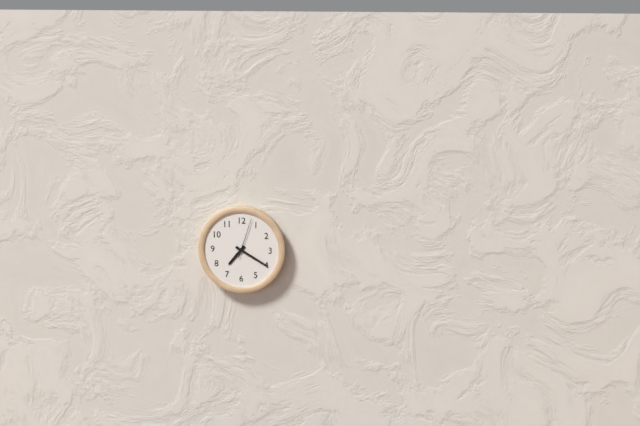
7:20
